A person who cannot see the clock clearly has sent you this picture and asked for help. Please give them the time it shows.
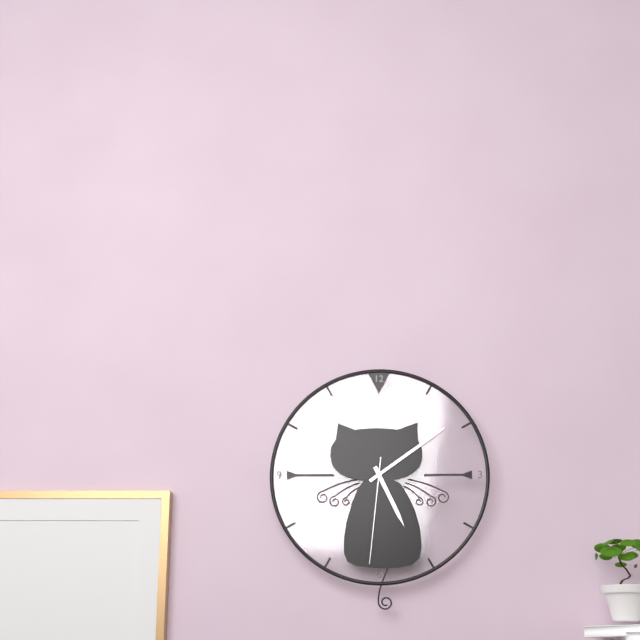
5:09:31
